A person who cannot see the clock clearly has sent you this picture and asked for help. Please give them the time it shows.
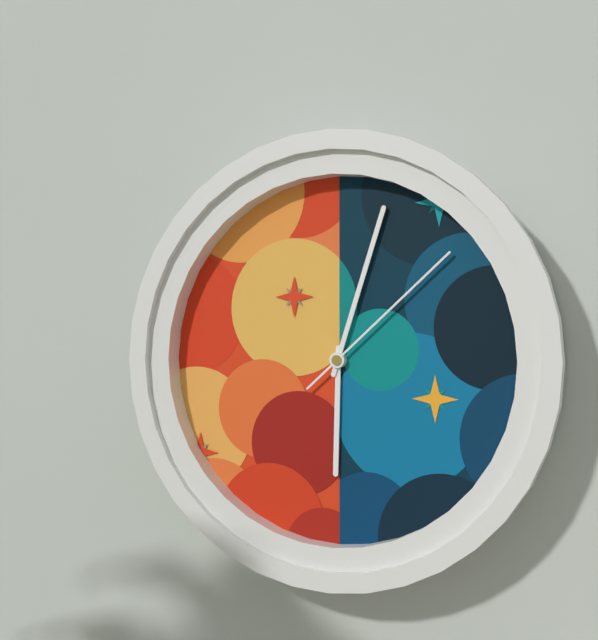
6:03:08
